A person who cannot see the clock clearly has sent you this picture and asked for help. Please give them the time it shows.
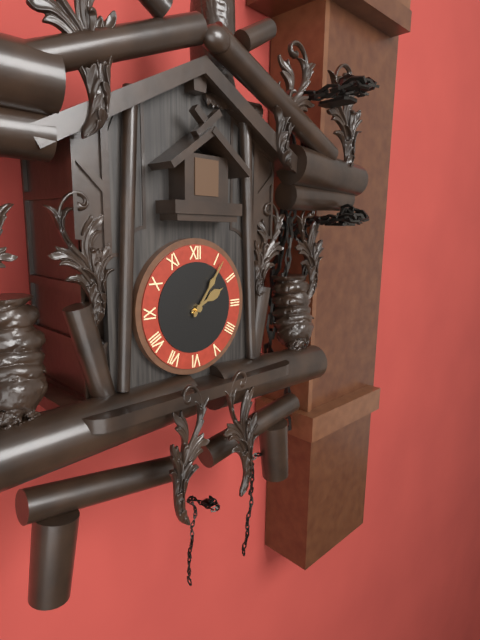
2:06
